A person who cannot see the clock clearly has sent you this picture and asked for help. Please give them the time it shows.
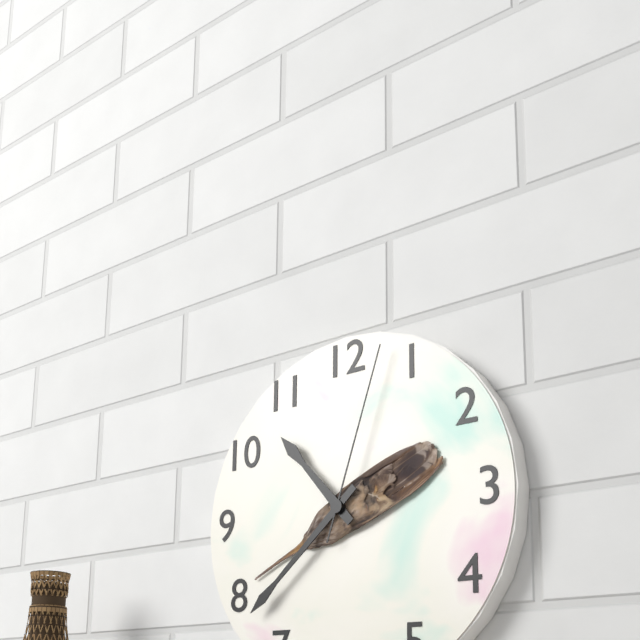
10:38:03
